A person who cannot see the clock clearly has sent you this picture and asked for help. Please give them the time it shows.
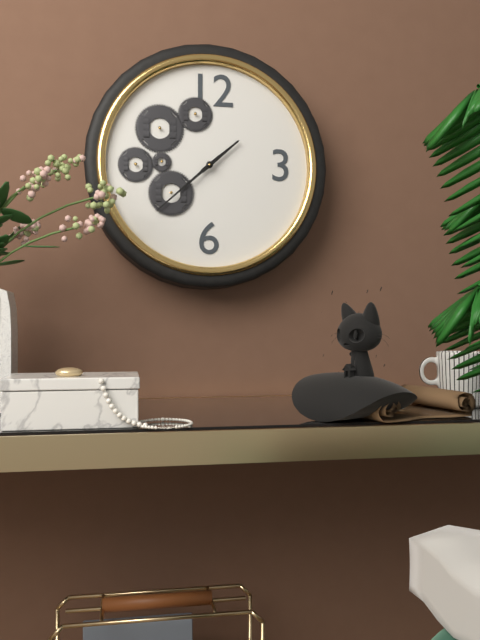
1:38
